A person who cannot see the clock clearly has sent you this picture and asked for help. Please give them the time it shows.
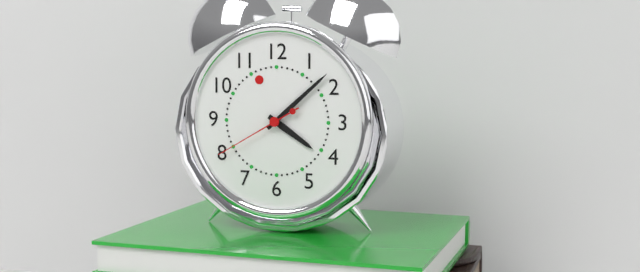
4:08:40
